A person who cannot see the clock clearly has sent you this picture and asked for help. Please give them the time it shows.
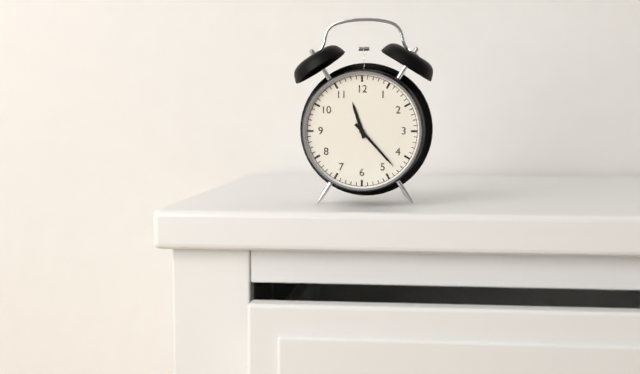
11:23
